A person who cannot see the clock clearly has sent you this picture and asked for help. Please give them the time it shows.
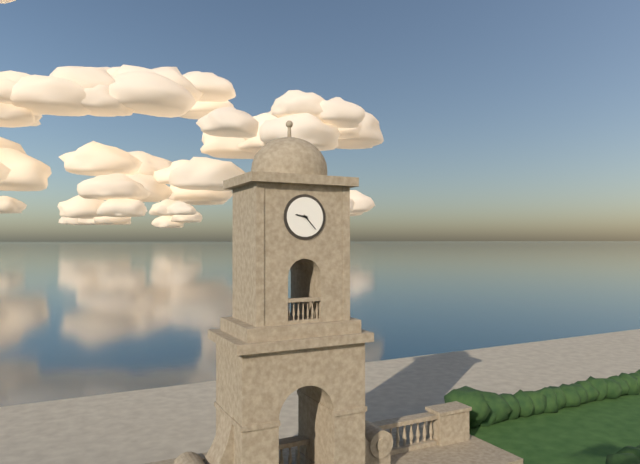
9:23
